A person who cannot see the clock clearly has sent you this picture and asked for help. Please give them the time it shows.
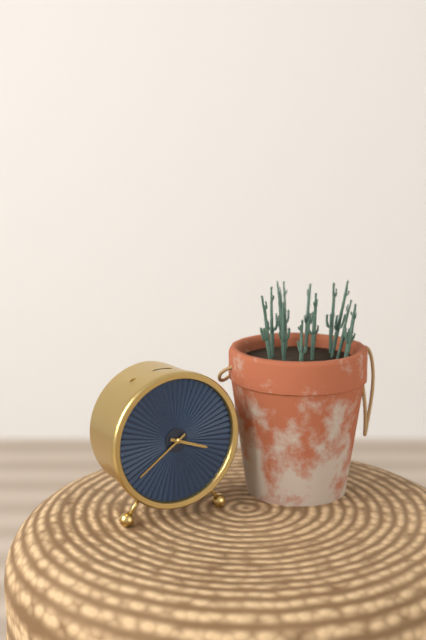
3:39
